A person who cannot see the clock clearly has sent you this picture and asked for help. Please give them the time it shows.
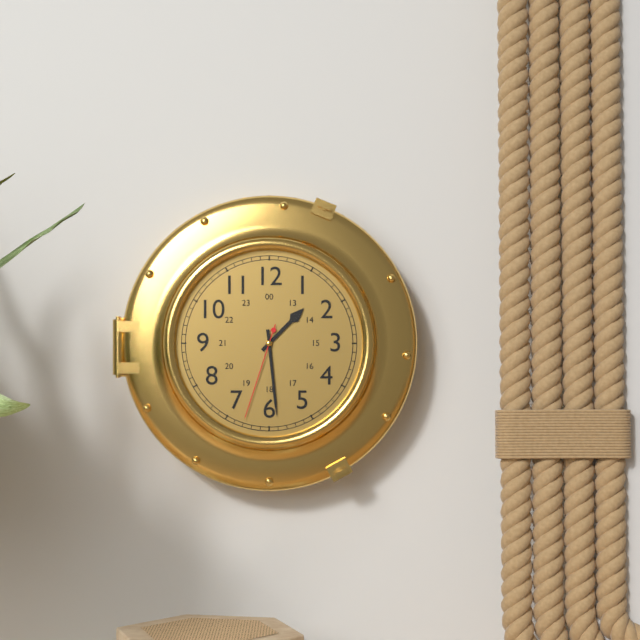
1:29:33
